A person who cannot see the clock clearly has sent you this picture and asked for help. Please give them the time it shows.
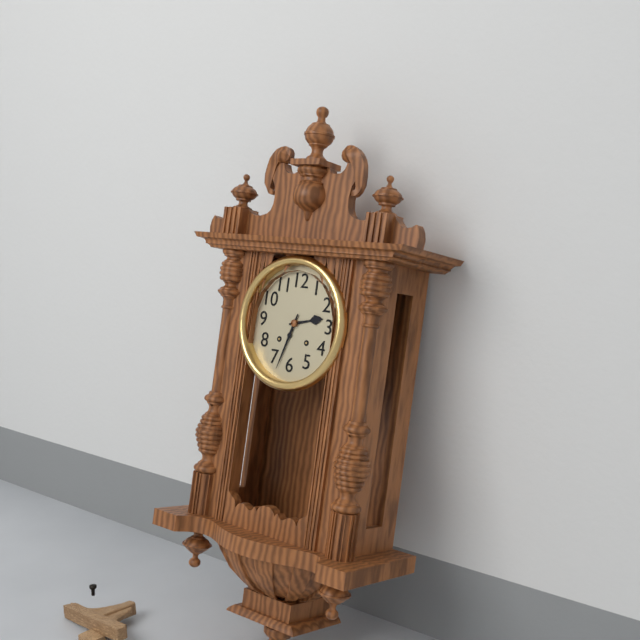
2:33
